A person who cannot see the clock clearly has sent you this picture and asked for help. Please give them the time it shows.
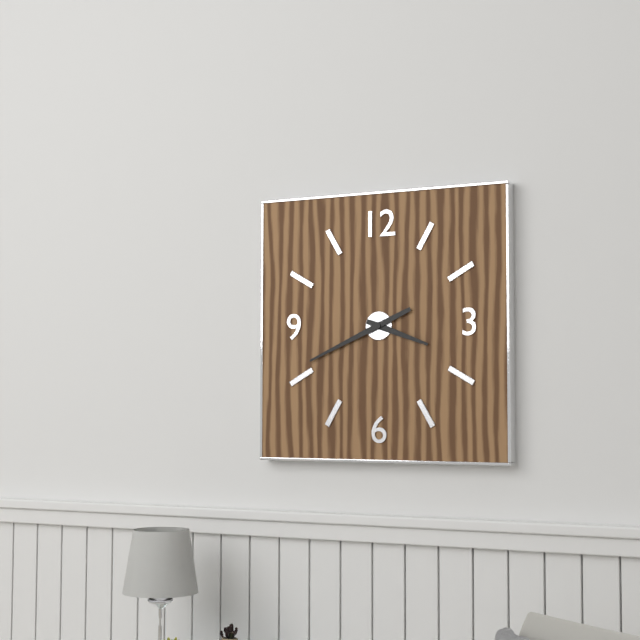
3:41
